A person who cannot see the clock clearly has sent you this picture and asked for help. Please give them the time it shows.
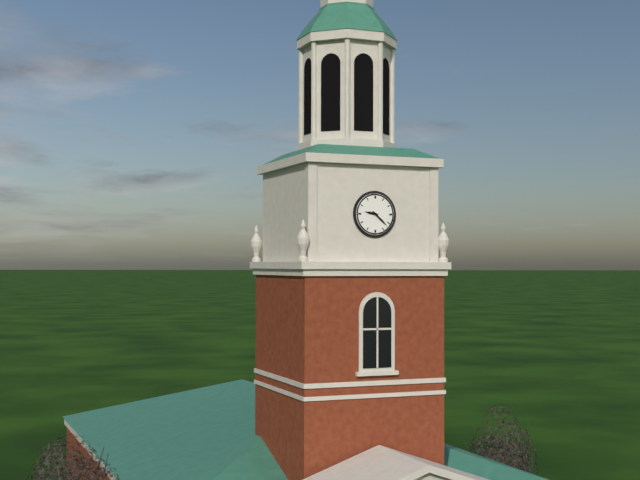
9:22
